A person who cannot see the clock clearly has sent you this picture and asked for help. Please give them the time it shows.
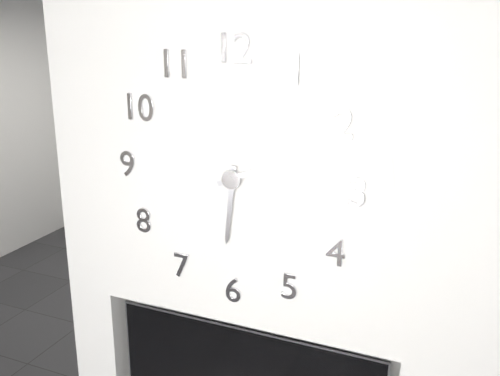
6:11
